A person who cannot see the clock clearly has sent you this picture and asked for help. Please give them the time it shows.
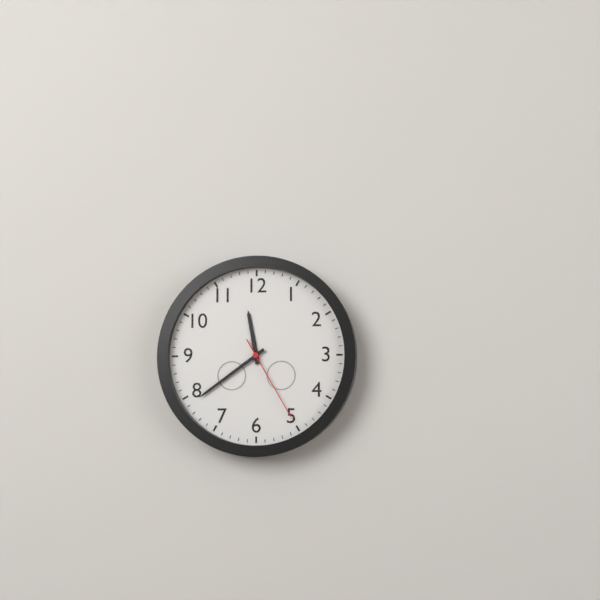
11:39:25
